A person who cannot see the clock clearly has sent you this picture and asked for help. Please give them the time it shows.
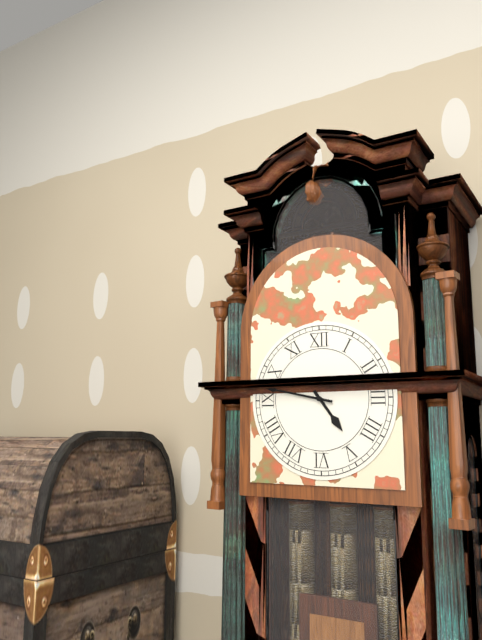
4:47
